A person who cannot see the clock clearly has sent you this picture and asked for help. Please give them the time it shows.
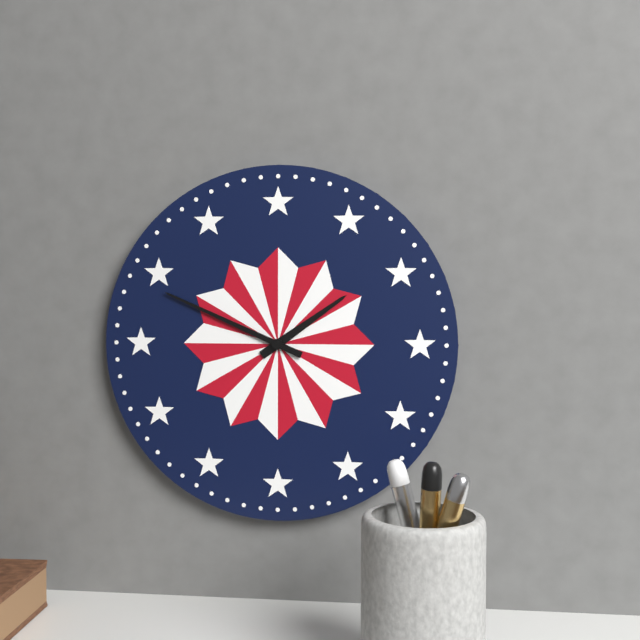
1:49
